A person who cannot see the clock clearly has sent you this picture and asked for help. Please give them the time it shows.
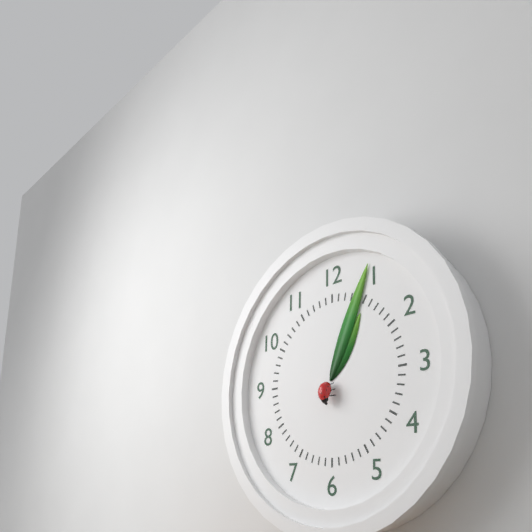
1:04
